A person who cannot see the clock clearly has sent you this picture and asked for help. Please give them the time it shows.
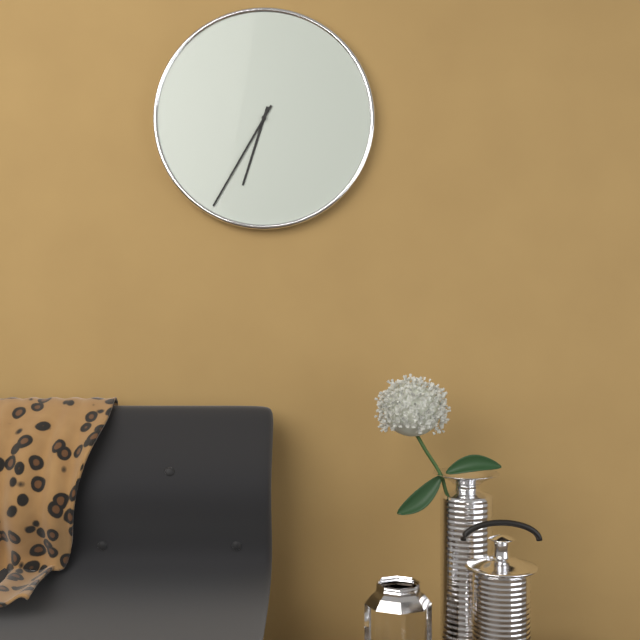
6:35
